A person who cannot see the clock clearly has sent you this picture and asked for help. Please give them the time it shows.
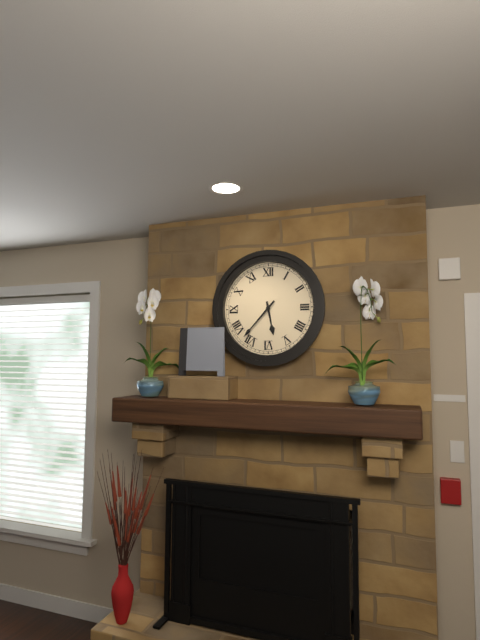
5:37
